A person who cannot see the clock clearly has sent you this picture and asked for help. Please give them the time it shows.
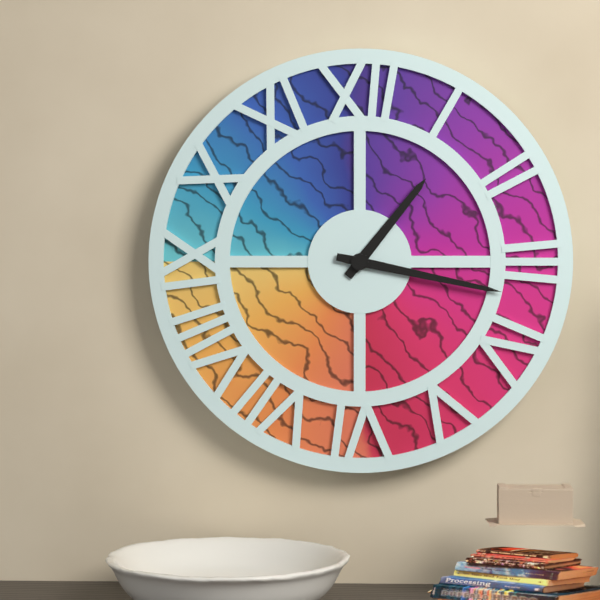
1:17
